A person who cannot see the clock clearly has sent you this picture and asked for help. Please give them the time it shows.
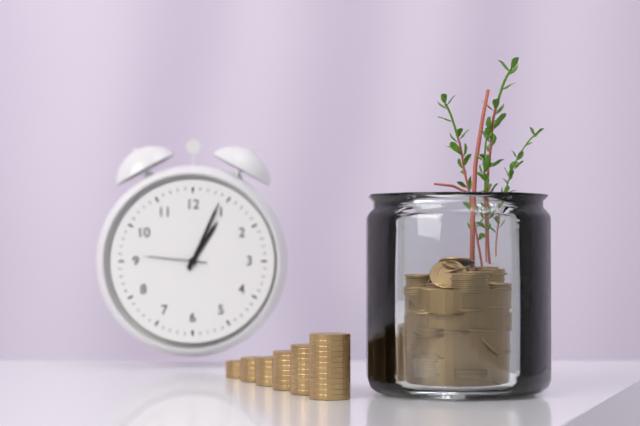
1:04:46
